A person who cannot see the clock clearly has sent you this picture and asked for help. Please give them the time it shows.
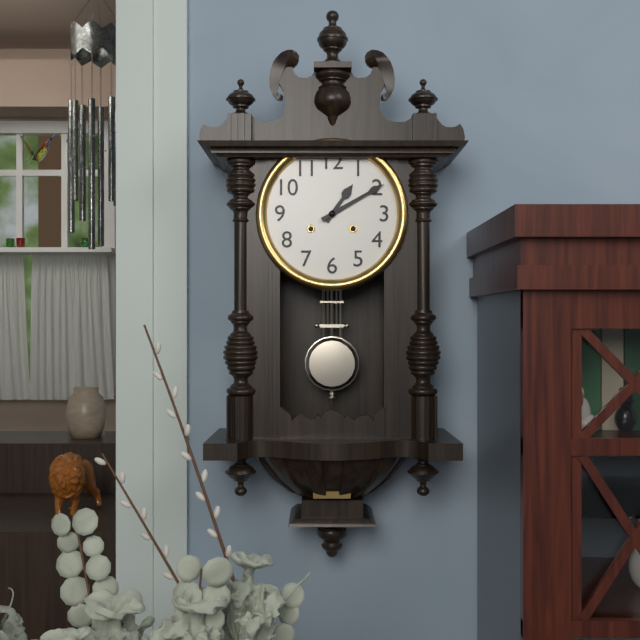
1:10
